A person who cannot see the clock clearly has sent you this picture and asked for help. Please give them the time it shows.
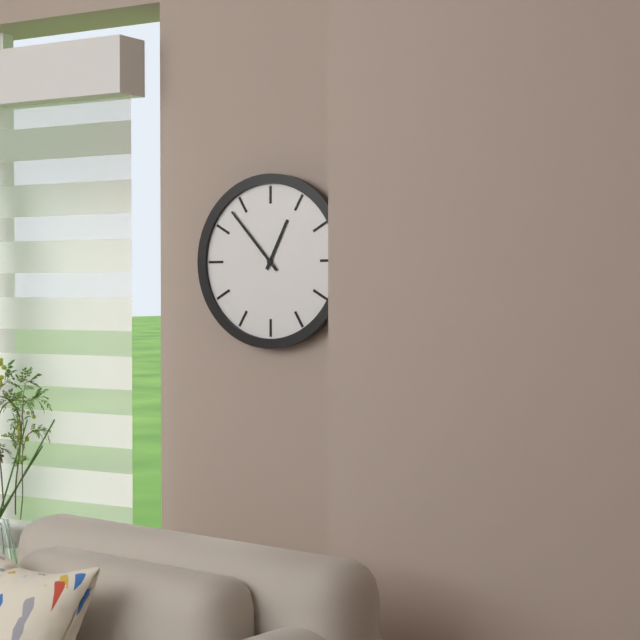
12:53
